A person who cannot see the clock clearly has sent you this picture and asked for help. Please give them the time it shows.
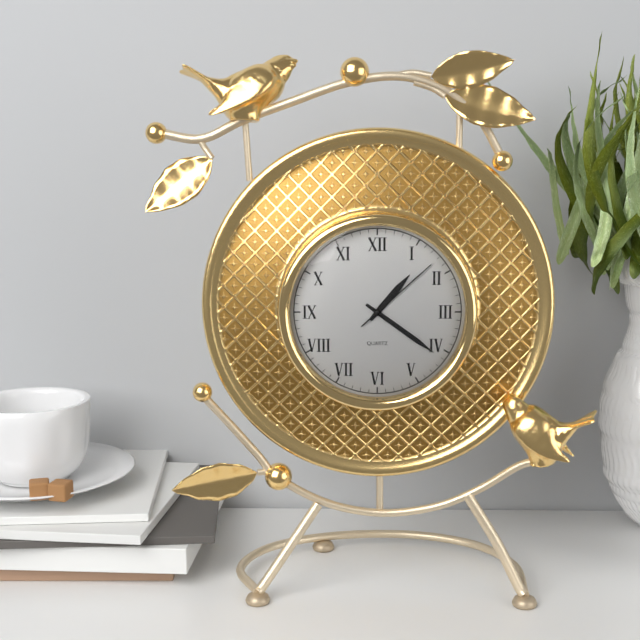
1:21:08
